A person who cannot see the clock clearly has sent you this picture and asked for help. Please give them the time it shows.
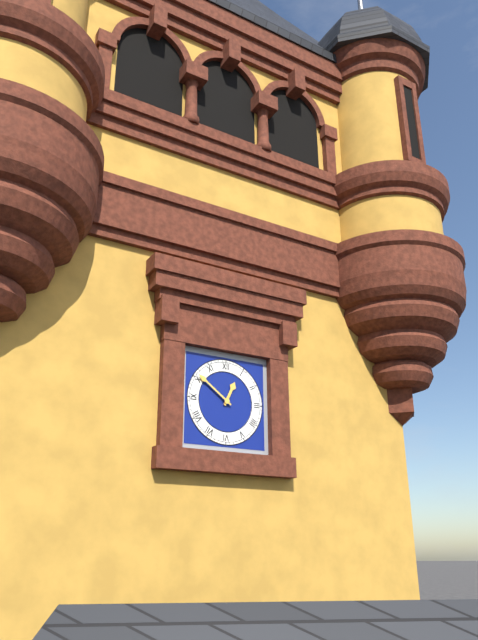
12:51
